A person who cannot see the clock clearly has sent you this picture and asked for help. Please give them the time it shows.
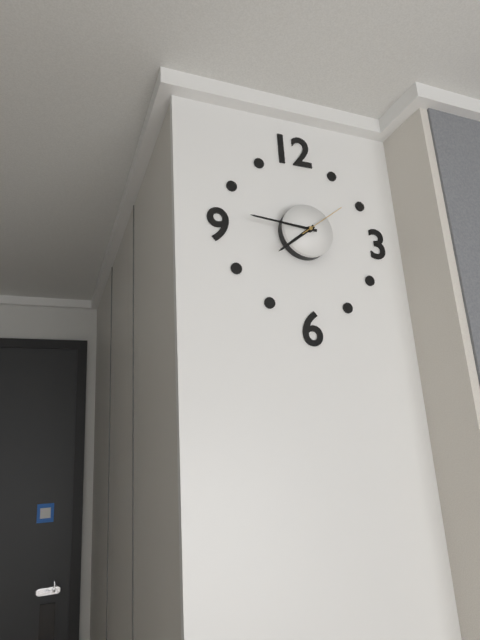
7:46
